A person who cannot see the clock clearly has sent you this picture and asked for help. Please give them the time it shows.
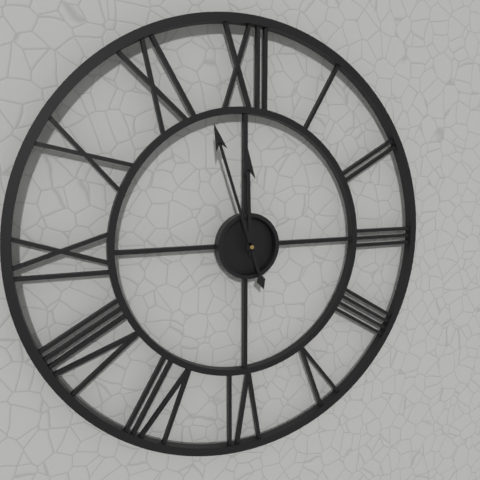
11:57
